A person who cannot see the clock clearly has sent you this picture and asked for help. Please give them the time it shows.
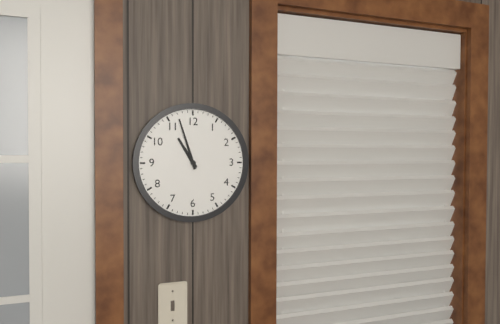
10:57
